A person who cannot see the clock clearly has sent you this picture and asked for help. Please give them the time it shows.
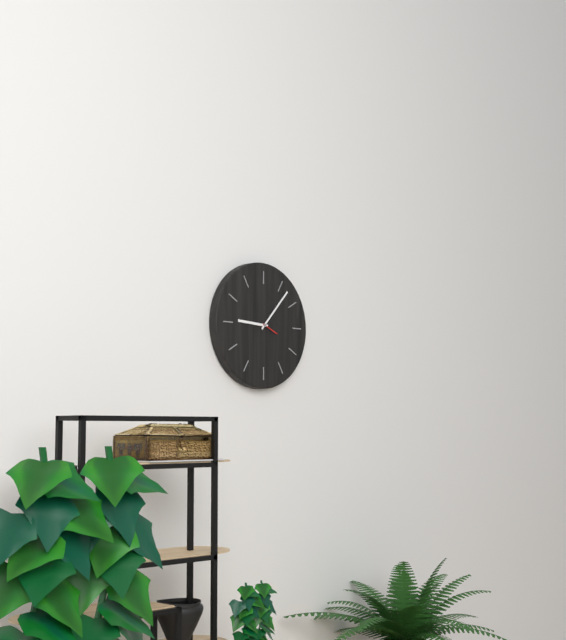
9:07
